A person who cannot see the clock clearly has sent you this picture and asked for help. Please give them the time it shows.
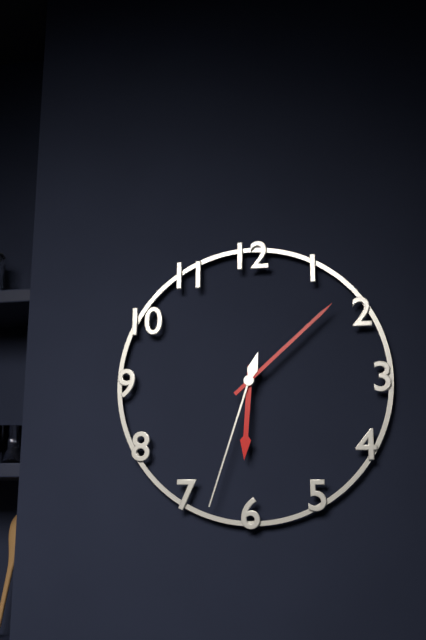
6:08:33
